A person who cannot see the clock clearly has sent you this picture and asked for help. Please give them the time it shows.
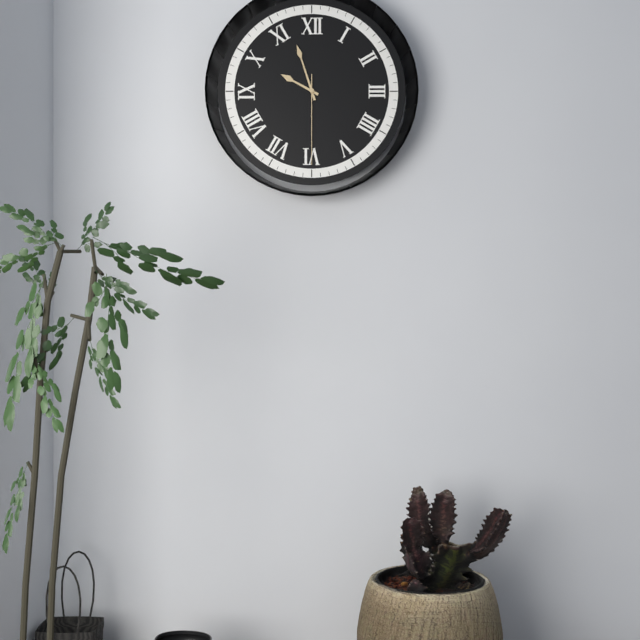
9:57:30
